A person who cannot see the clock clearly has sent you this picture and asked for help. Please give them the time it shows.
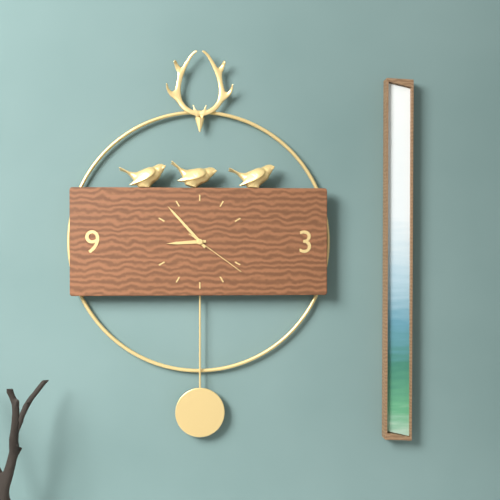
8:53:21
